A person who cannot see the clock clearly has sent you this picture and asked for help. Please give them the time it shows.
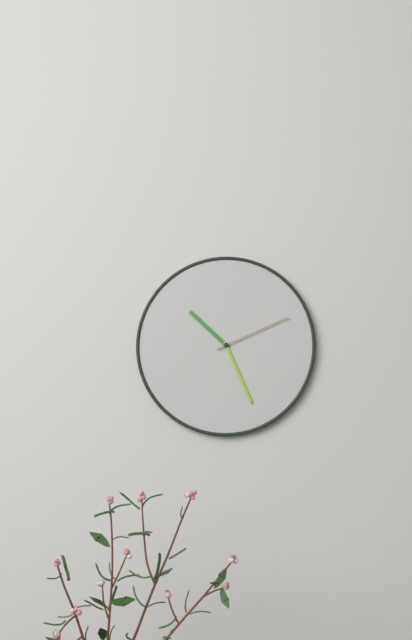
10:26:11
